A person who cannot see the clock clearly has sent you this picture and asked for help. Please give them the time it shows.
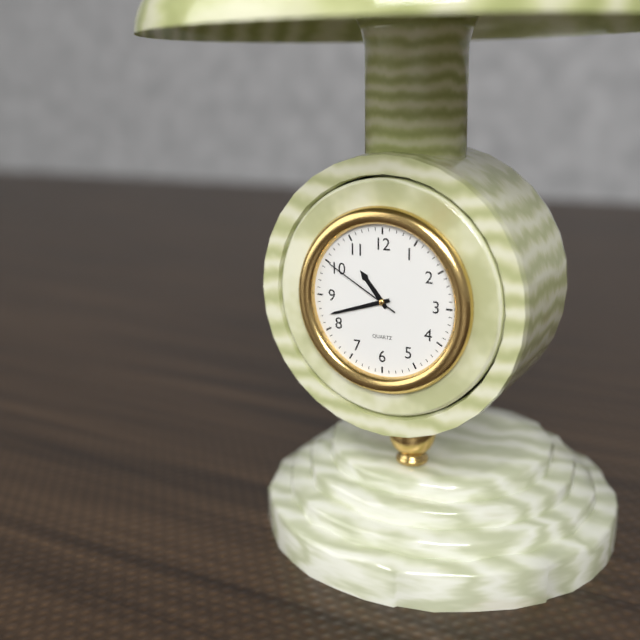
10:42:50
